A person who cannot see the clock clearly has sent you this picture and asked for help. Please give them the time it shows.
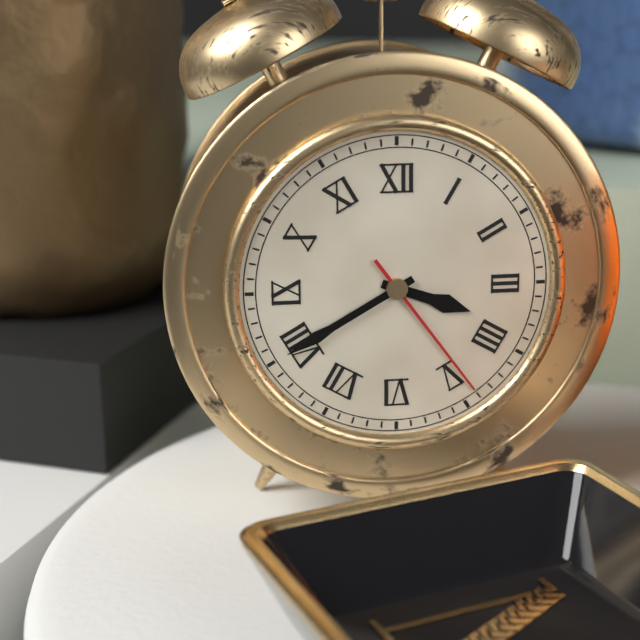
3:40:24
